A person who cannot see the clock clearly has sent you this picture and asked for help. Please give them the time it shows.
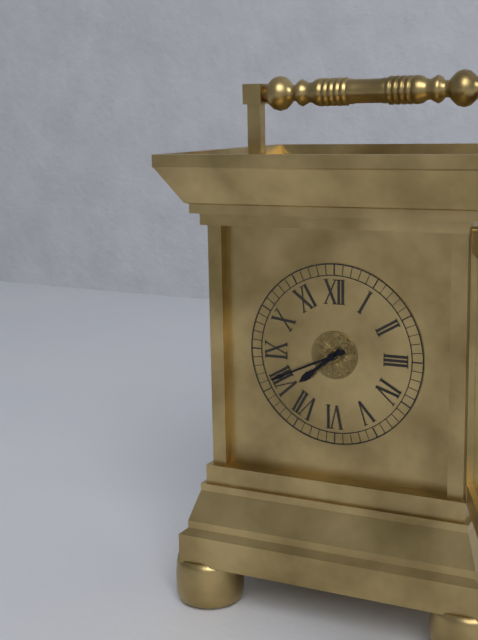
7:41
